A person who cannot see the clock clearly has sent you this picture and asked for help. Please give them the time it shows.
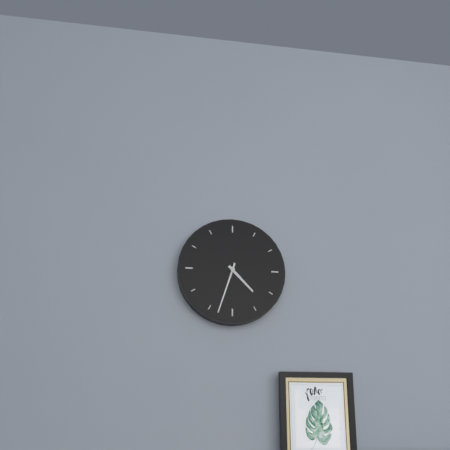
4:33
